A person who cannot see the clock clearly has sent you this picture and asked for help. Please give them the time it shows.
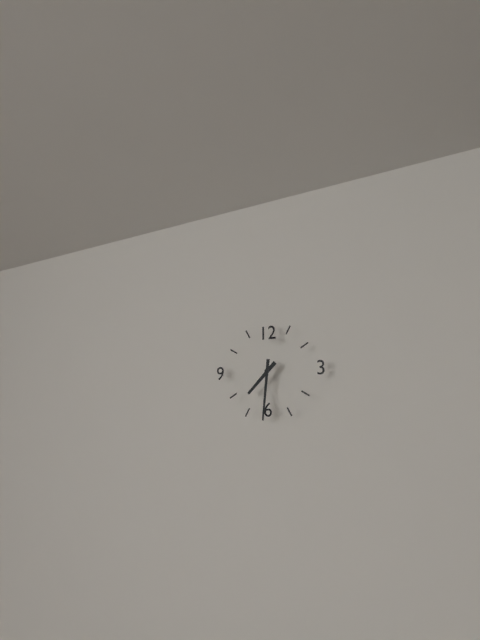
7:31
